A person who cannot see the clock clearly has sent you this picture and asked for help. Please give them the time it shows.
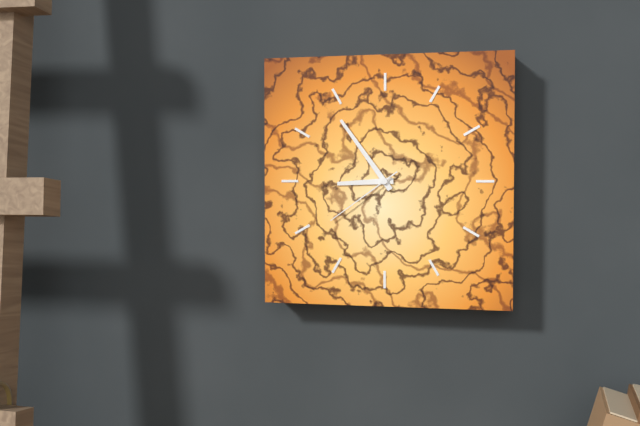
8:54:39
